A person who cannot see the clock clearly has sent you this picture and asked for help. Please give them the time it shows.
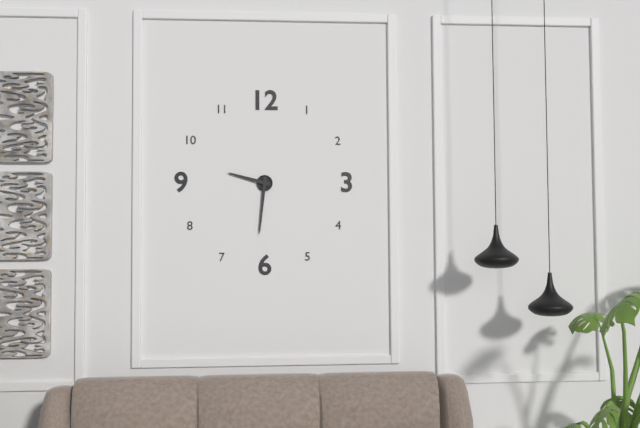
9:31
